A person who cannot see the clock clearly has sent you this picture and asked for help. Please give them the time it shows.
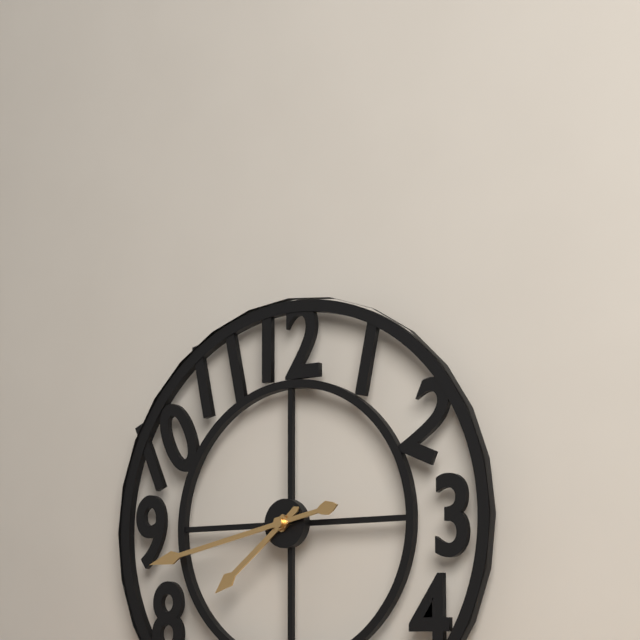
7:43
